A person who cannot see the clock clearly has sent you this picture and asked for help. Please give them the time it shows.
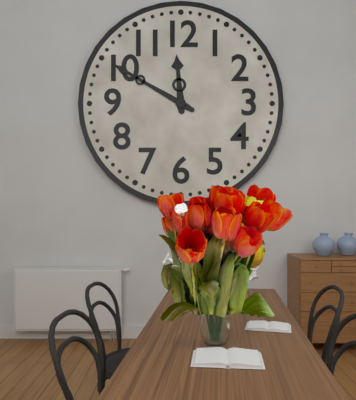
11:50
